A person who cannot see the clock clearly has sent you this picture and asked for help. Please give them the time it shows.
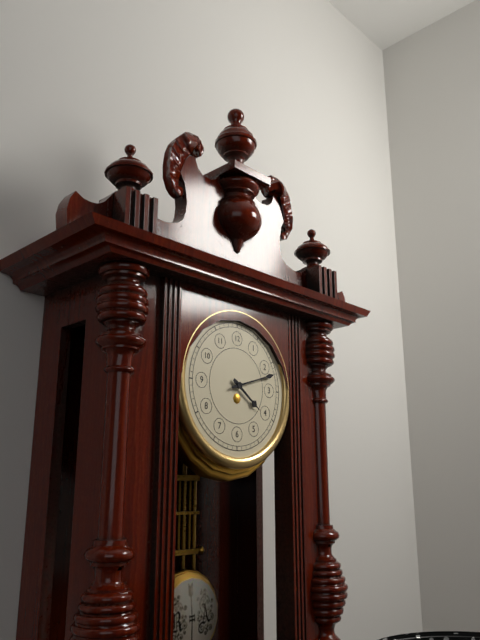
4:12
